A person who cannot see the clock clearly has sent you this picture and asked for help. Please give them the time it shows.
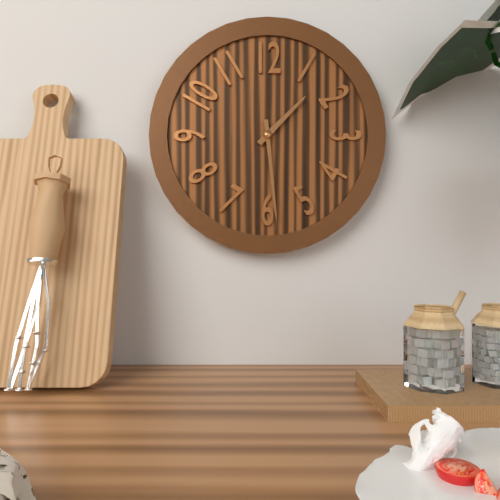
1:29
